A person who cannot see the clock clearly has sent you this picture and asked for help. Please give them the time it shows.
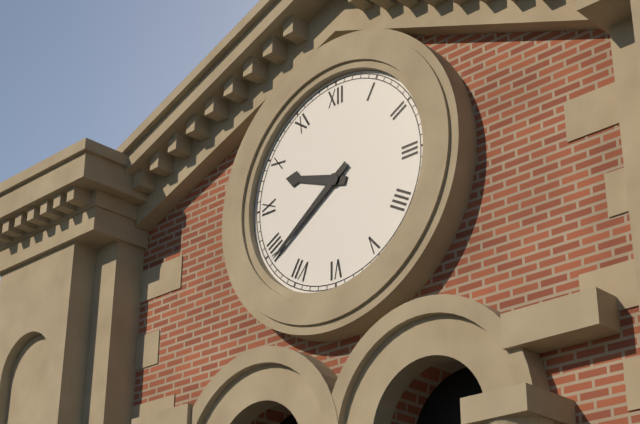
9:39
